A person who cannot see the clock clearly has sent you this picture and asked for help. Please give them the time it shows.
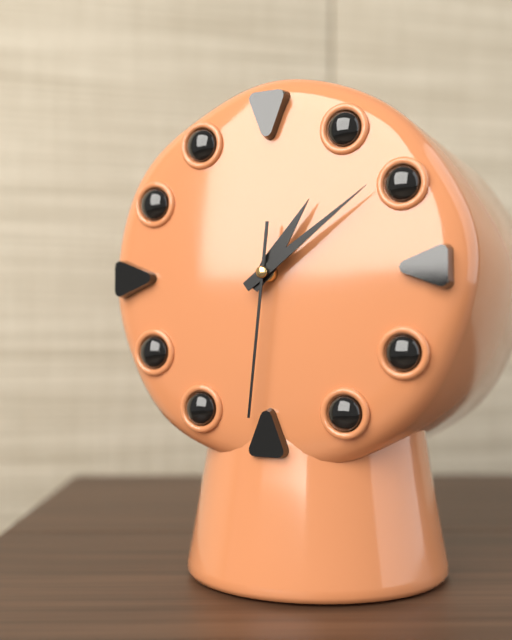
1:09:31
